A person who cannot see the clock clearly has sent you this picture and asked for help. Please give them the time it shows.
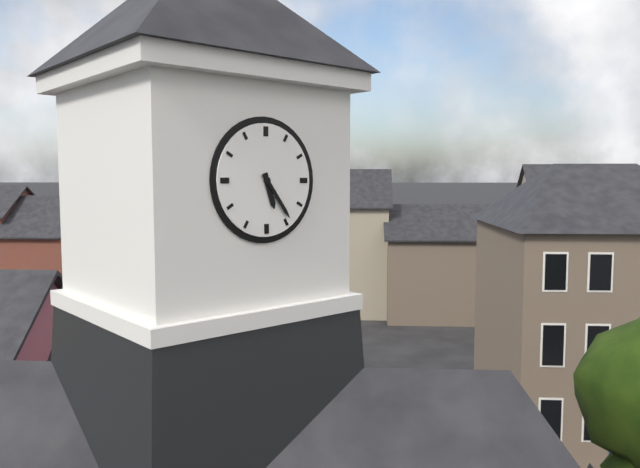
5:24
